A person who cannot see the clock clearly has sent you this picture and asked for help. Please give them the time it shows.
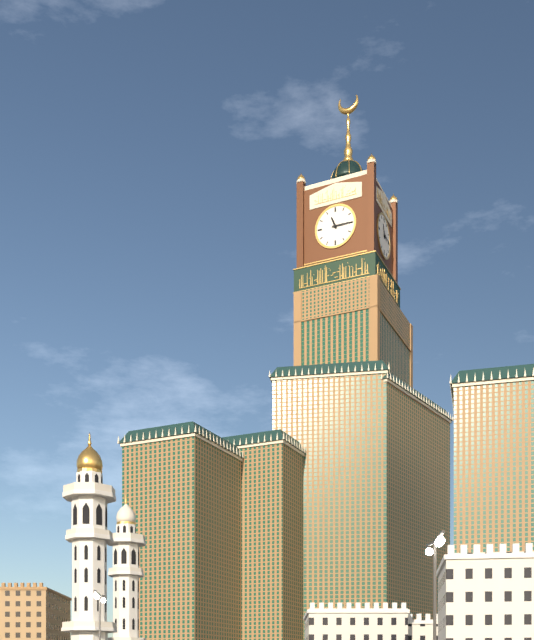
11:15
